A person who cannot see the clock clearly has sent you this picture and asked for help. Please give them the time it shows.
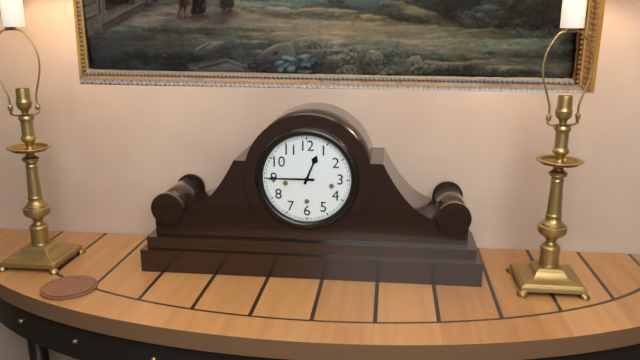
12:45
